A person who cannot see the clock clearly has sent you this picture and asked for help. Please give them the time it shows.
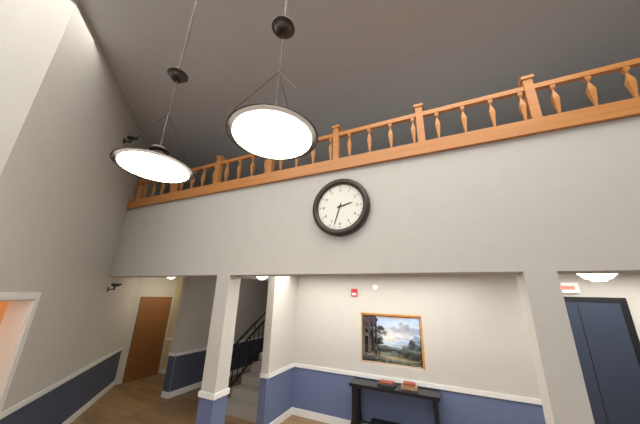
2:33
